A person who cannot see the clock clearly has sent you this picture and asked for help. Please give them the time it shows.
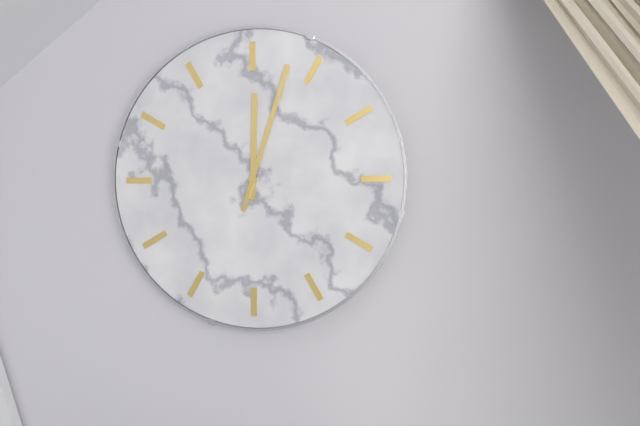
12:03
